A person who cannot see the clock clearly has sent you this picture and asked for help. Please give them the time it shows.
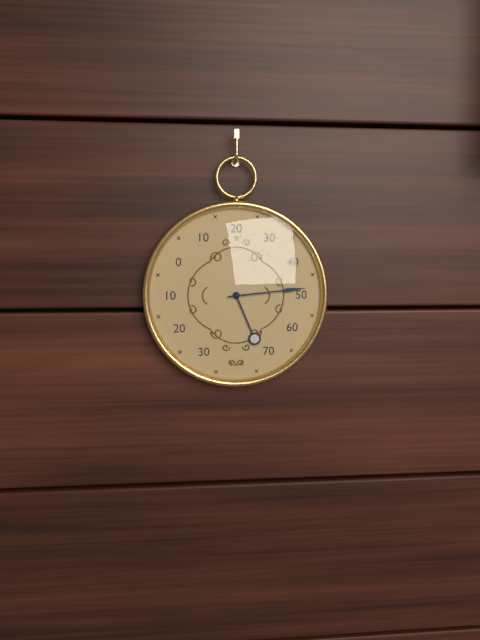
5:14
